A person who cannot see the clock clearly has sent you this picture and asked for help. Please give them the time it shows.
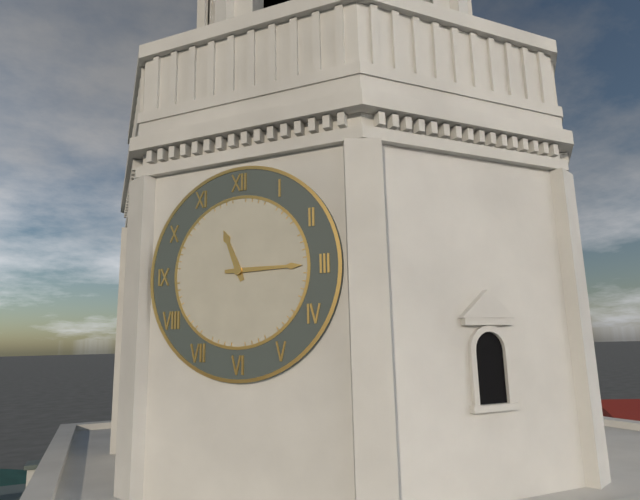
11:15
